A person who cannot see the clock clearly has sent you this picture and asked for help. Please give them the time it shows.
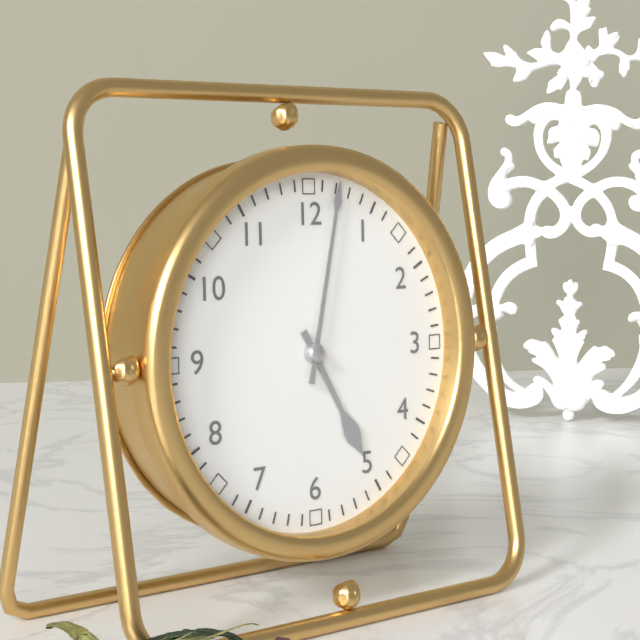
5:02
